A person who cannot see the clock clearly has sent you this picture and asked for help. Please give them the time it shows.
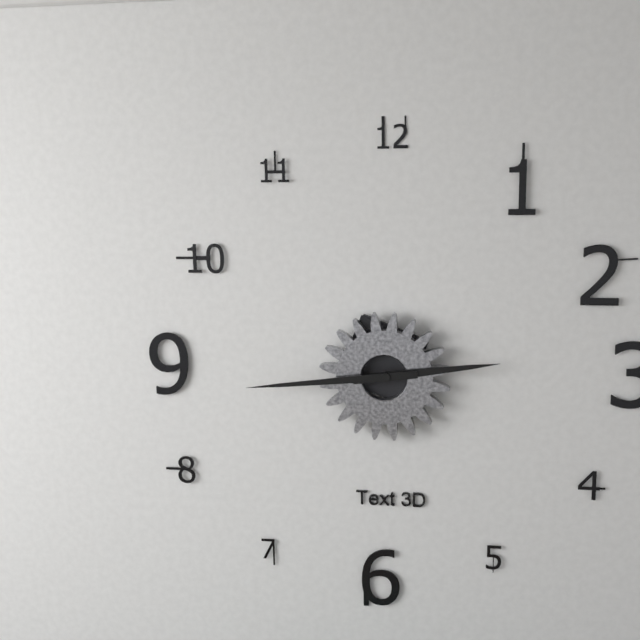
2:44
